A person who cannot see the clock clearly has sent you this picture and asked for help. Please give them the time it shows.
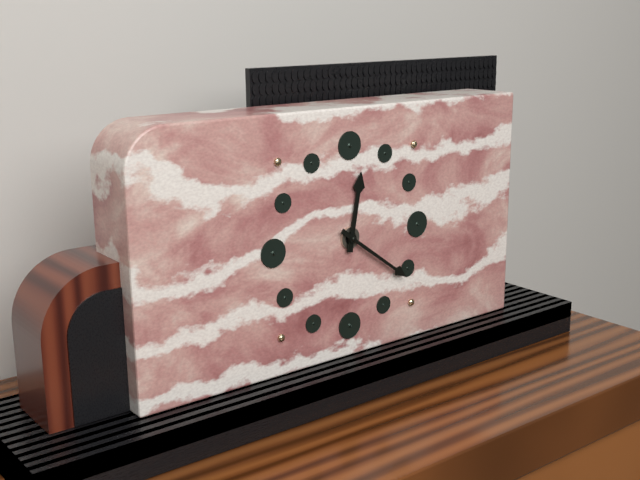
12:21
